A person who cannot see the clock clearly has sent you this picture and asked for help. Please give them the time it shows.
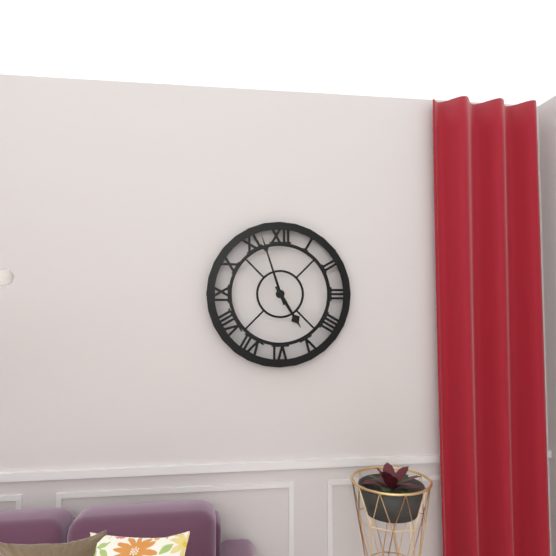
4:57
